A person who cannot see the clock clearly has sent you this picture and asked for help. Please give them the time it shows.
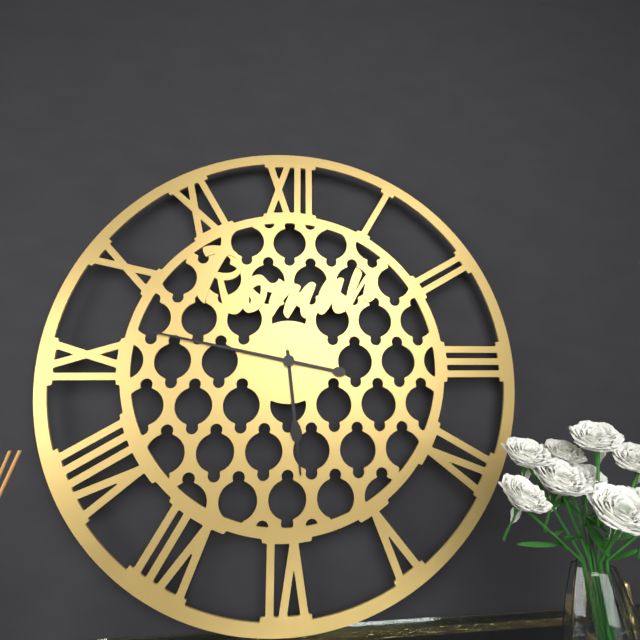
5:47
